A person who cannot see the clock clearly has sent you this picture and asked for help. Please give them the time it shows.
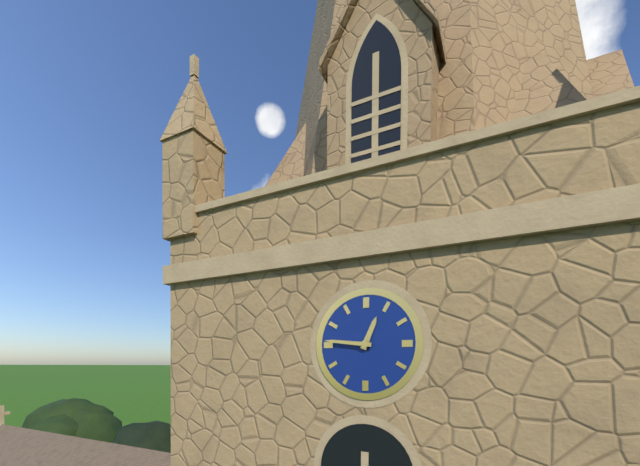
12:46
